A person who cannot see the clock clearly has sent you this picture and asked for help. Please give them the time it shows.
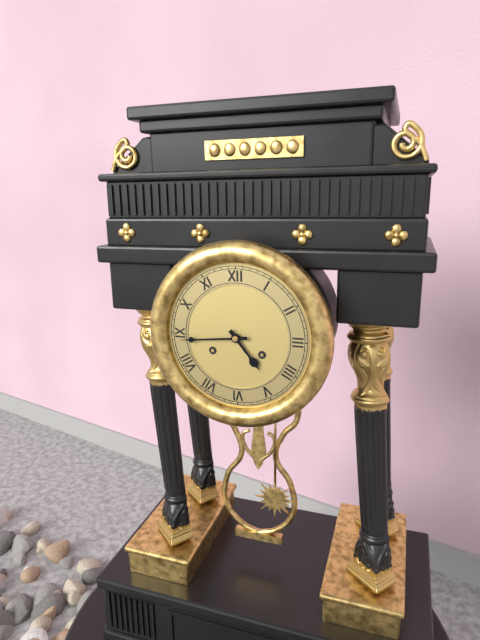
4:44
